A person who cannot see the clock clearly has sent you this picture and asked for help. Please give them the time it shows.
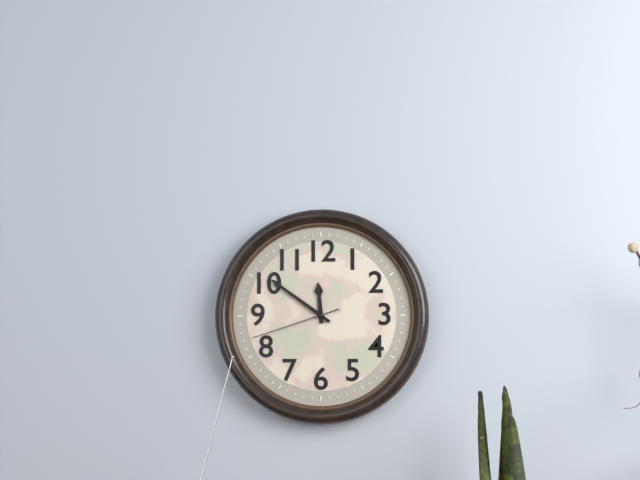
11:51:42
